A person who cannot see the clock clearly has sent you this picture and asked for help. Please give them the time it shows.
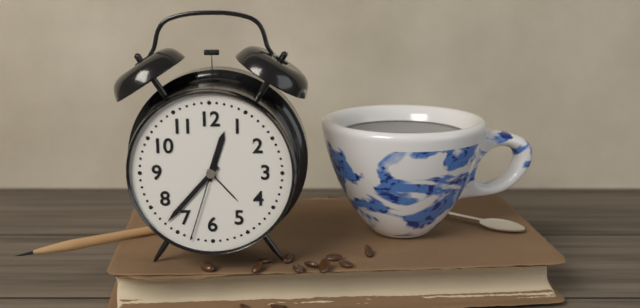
12:37:33
